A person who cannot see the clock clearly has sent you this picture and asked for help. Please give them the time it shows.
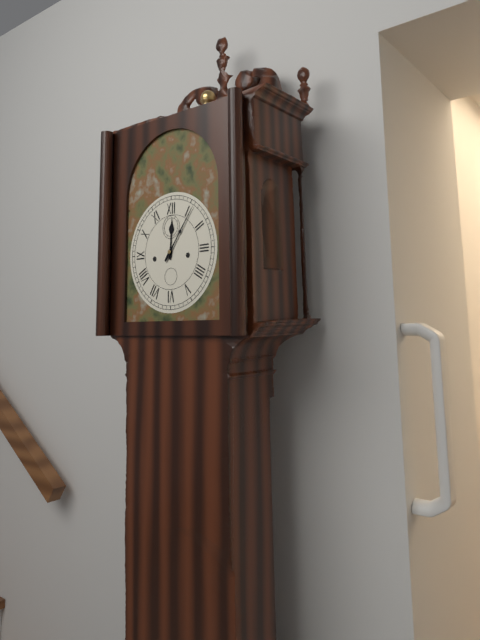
12:06
